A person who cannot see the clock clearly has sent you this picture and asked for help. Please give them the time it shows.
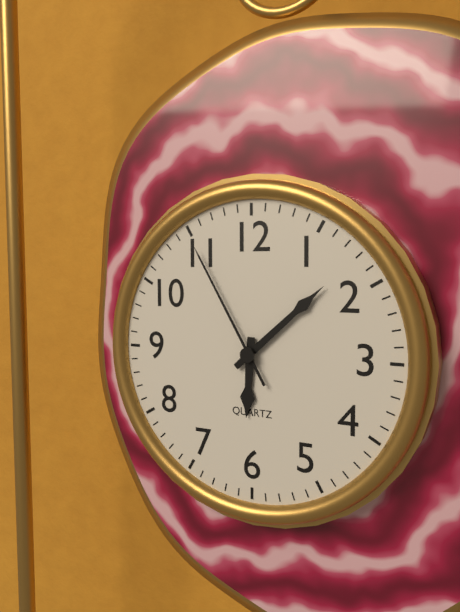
6:08:55
